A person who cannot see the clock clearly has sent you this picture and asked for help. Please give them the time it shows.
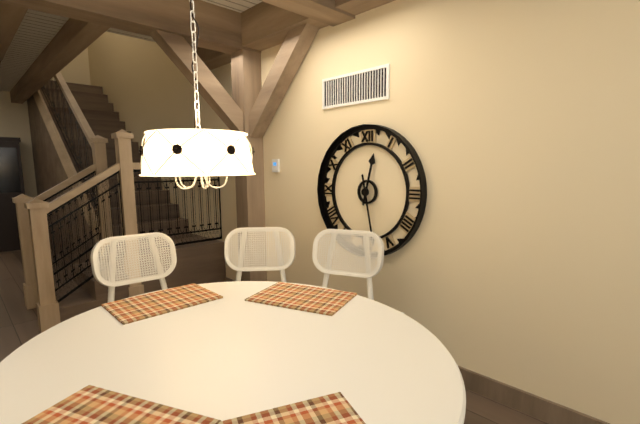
12:28
